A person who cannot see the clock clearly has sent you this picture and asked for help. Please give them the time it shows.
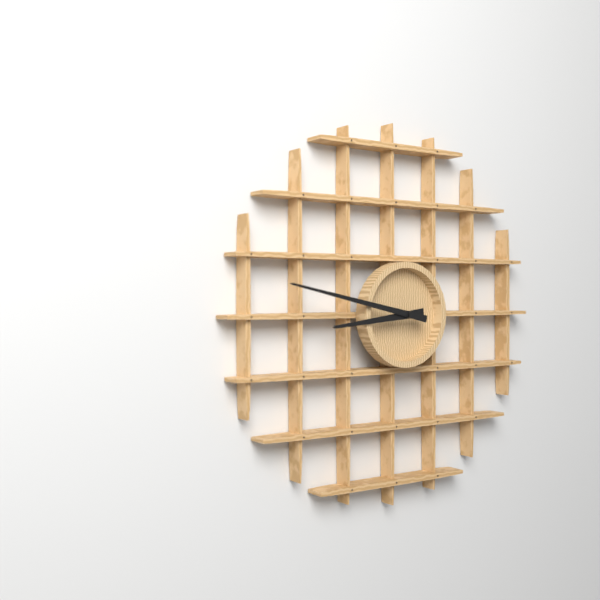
8:47
